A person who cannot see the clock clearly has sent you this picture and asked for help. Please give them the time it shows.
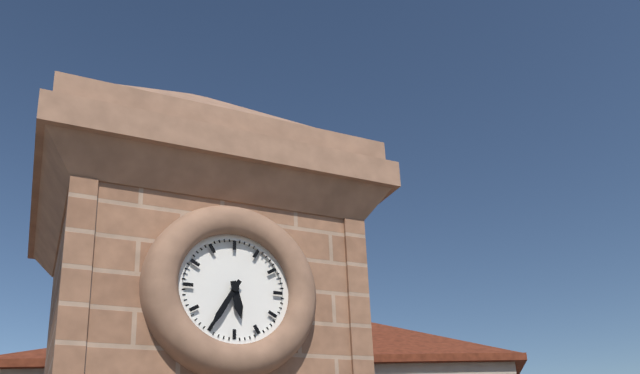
5:35
